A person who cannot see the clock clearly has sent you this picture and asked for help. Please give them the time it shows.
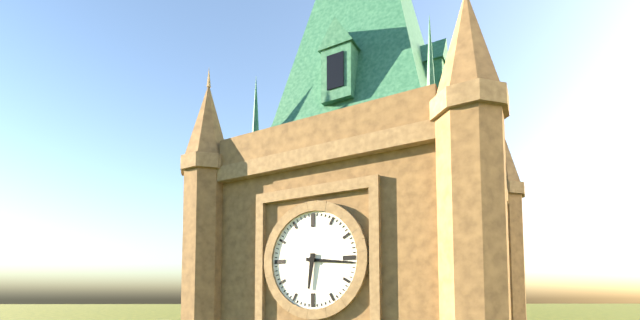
6:16
